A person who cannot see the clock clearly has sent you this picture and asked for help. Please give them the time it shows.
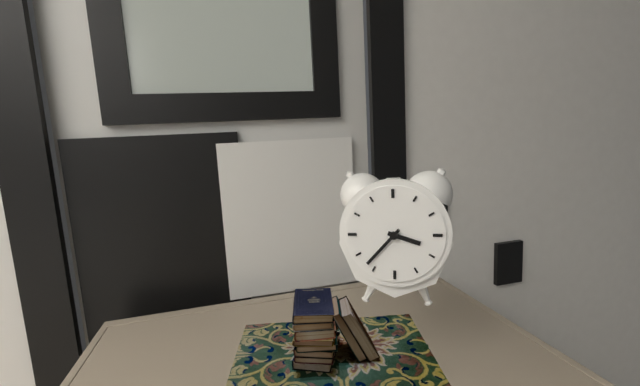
3:37
